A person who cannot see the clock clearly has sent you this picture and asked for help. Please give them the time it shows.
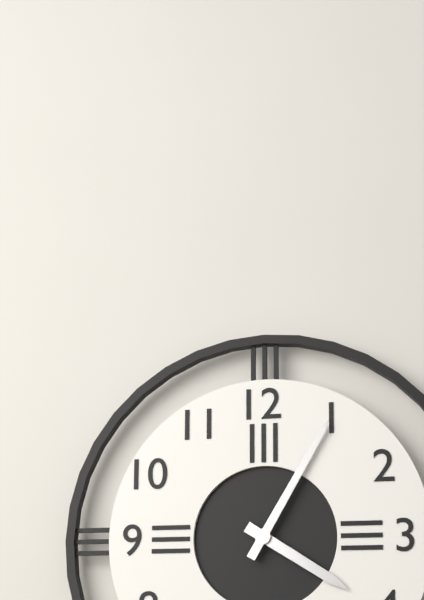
4:05
